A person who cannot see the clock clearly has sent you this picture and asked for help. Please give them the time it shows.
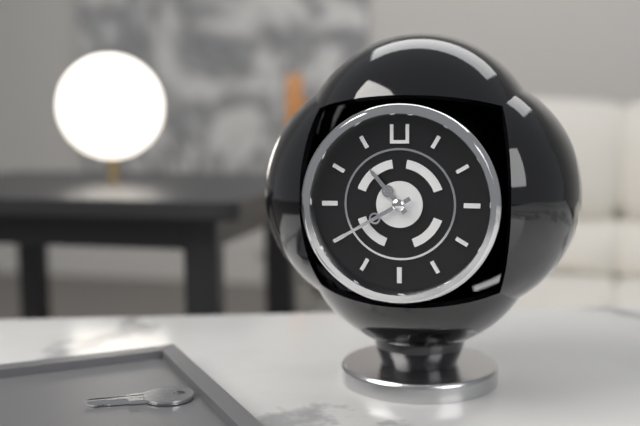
10:40
